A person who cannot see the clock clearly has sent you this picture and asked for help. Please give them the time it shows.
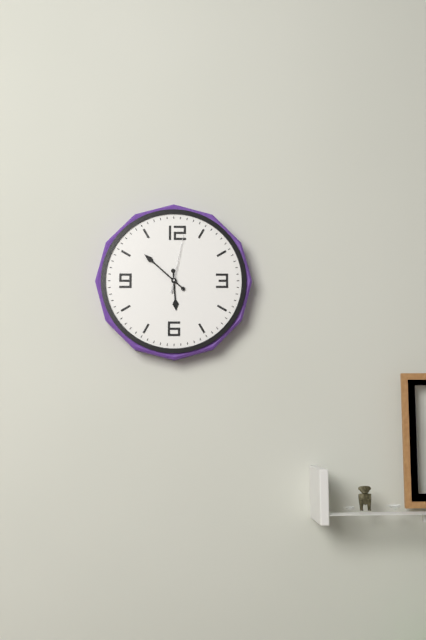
5:52:02
